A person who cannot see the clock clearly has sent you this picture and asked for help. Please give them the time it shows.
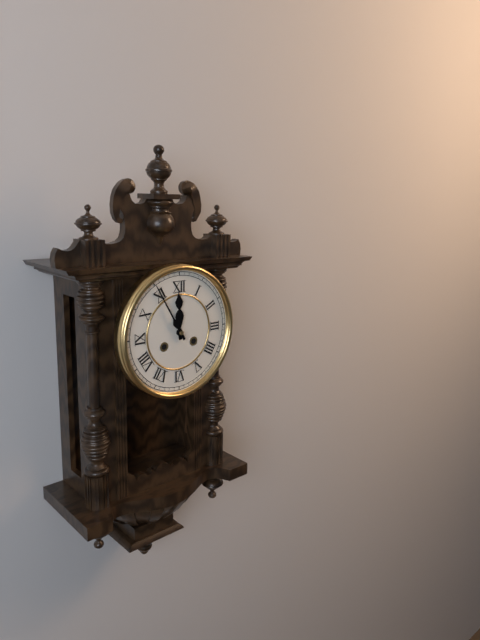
11:55
